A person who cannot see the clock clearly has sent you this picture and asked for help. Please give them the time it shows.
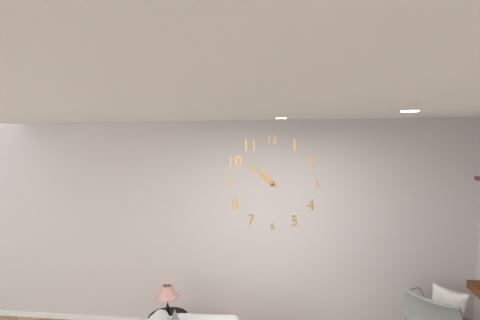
10:51
